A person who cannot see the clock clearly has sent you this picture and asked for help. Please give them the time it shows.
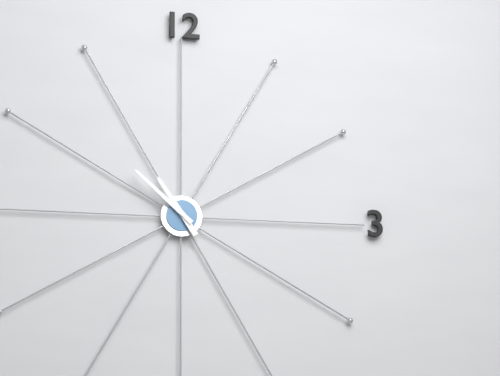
10:52
